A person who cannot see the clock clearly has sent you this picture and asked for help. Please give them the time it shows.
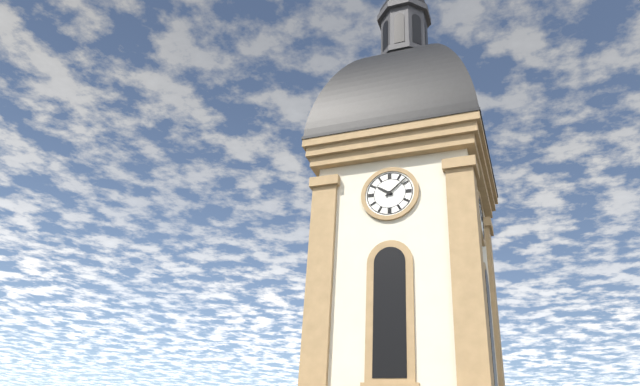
10:08
